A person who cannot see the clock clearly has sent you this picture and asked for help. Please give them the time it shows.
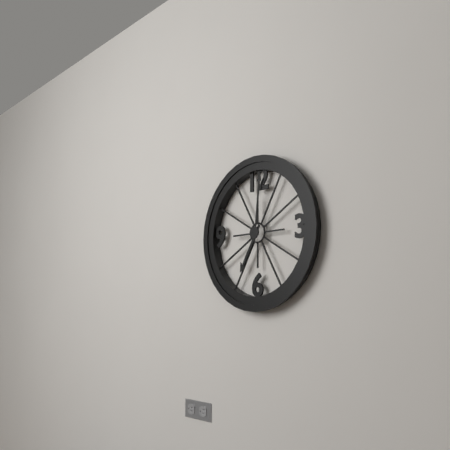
7:01
